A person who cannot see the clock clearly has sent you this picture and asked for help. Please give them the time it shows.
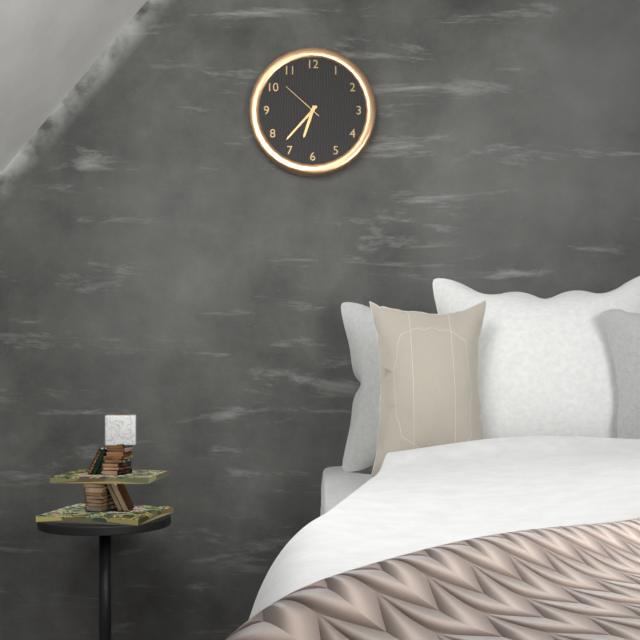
6:37
